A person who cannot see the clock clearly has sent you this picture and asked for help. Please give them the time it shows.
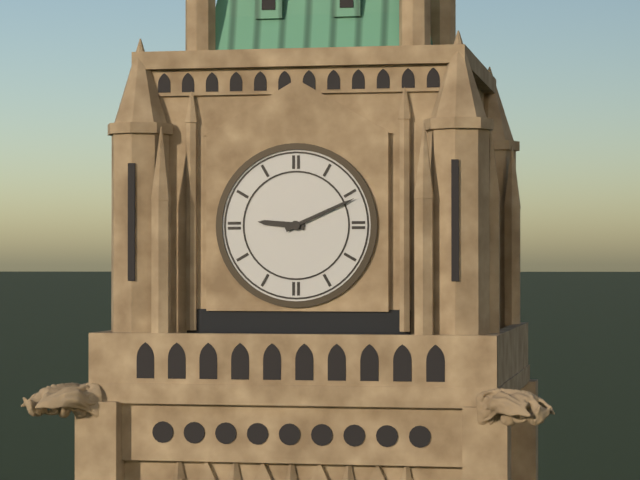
9:11
